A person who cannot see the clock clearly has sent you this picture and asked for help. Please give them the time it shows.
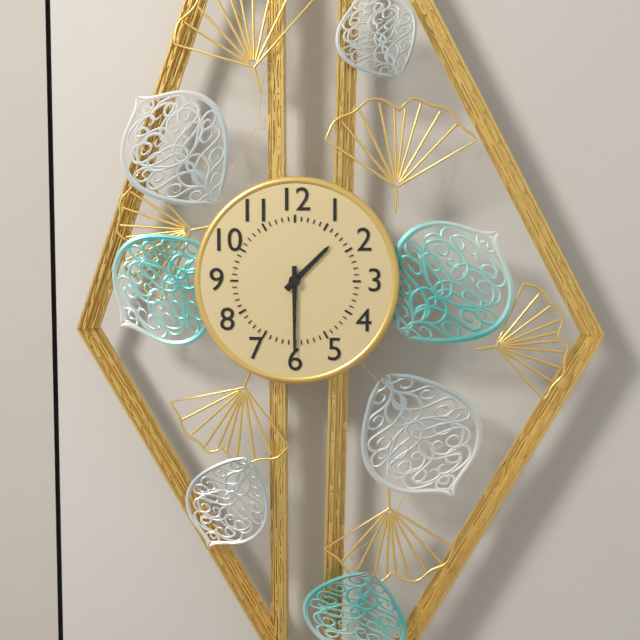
1:30
